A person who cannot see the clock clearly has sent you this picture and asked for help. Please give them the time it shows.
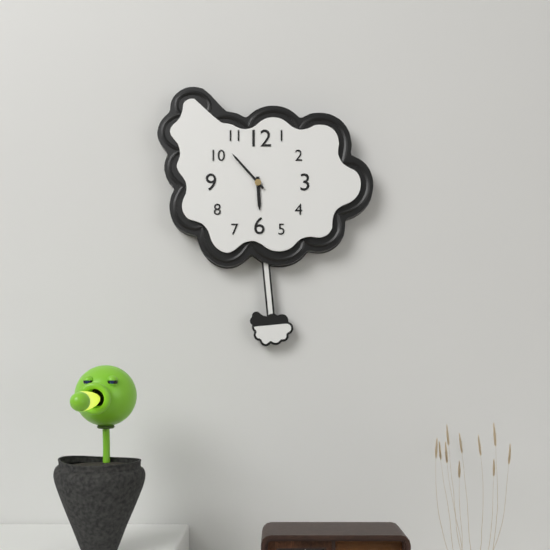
5:53
